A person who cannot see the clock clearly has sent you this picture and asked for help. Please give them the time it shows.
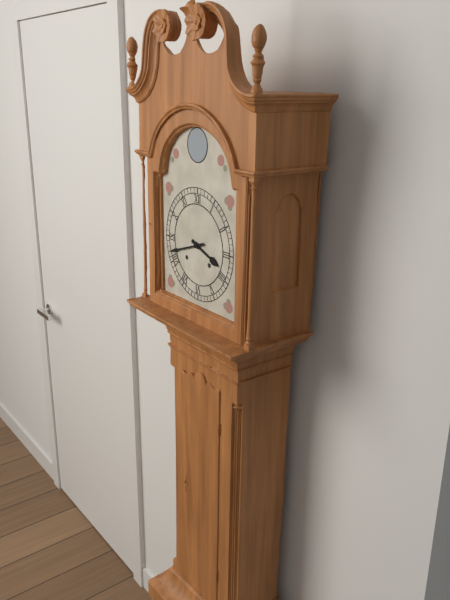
3:42
